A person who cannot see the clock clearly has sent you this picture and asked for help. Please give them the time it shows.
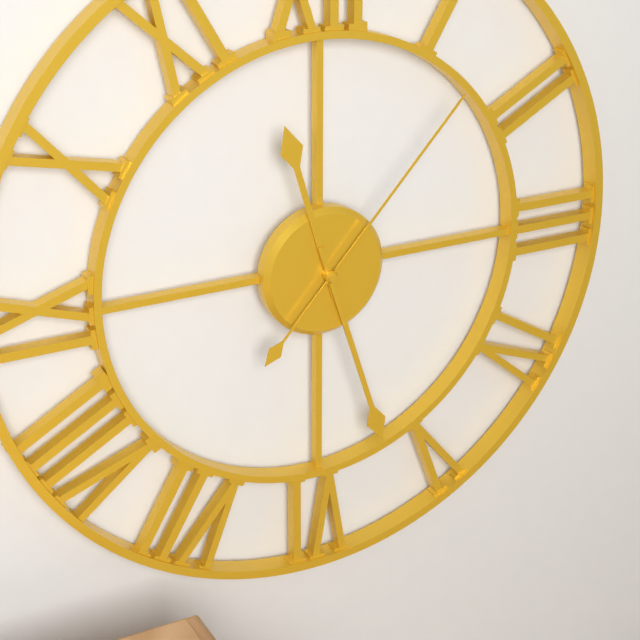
11:27:07
